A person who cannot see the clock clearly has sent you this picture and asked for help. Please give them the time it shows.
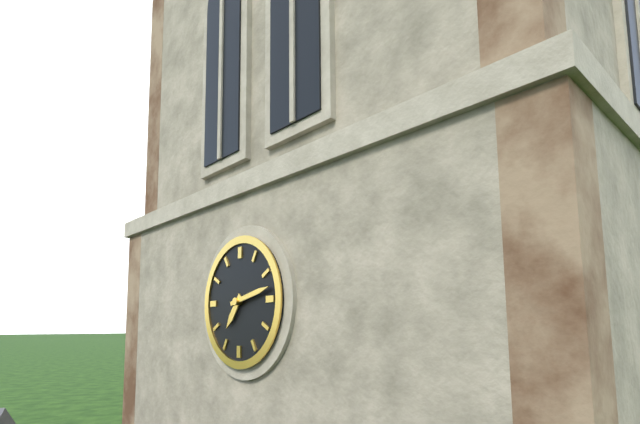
7:13
